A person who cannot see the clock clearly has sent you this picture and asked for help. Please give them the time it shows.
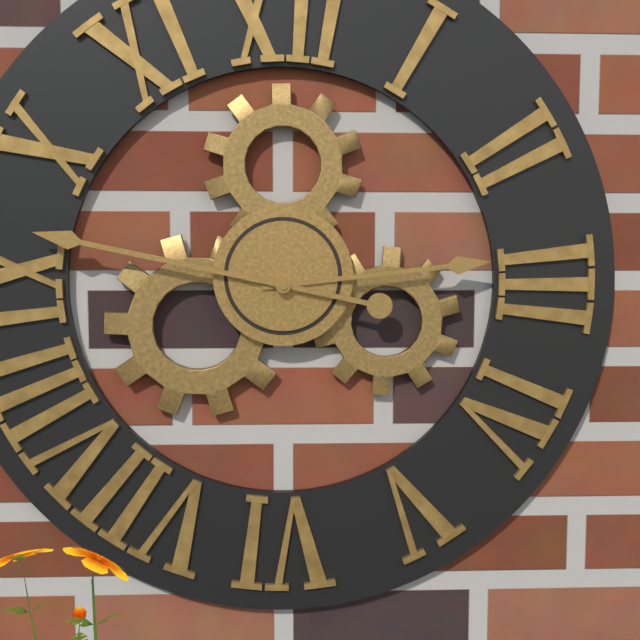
2:47
